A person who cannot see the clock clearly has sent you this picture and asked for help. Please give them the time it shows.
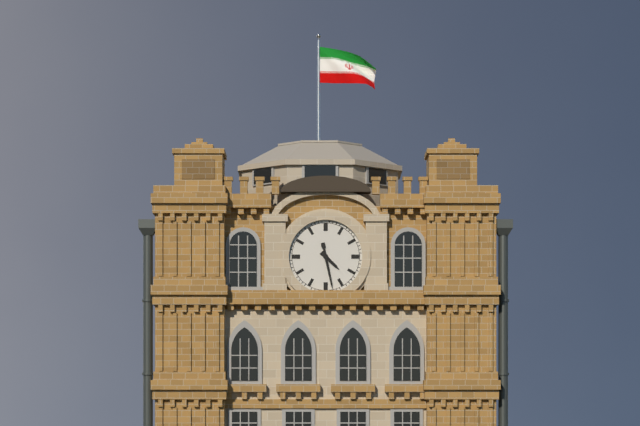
4:28
